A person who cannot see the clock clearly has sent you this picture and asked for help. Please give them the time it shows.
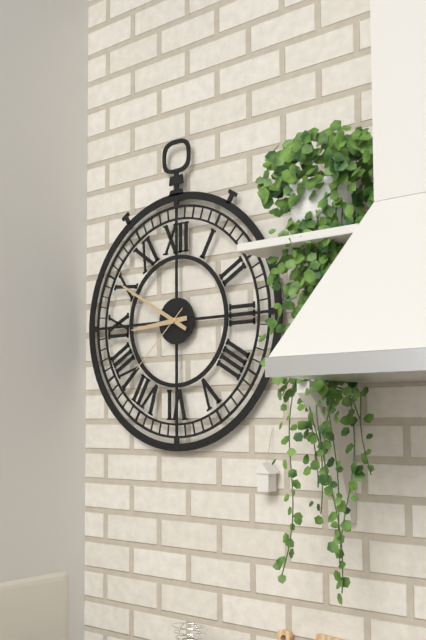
8:50:38
